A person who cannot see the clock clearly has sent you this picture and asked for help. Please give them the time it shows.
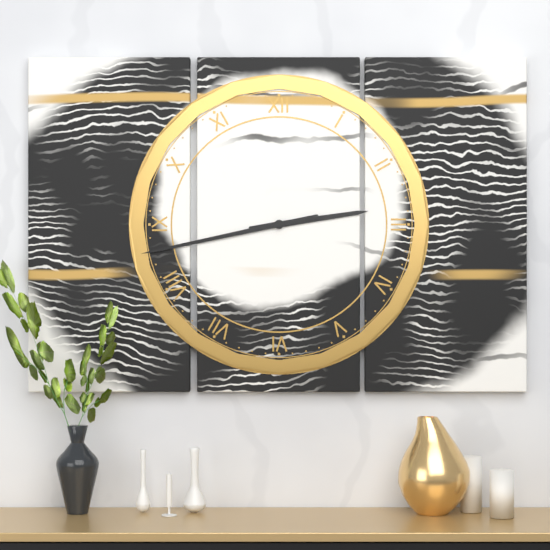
2:43
